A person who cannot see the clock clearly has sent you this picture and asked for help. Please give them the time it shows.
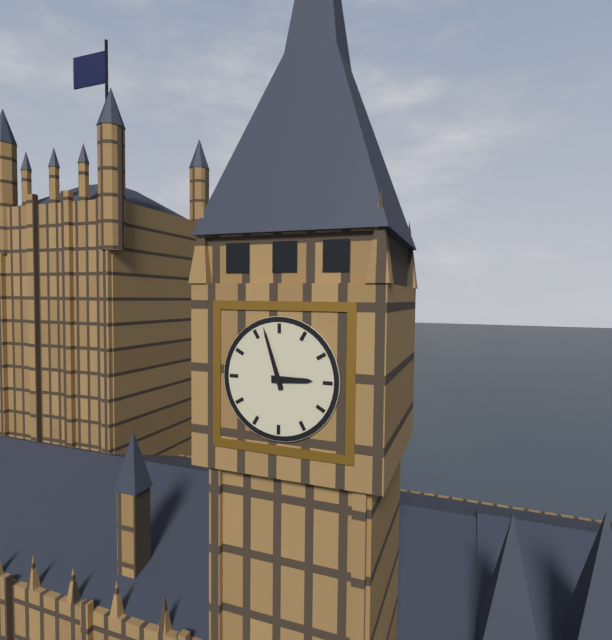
2:57
